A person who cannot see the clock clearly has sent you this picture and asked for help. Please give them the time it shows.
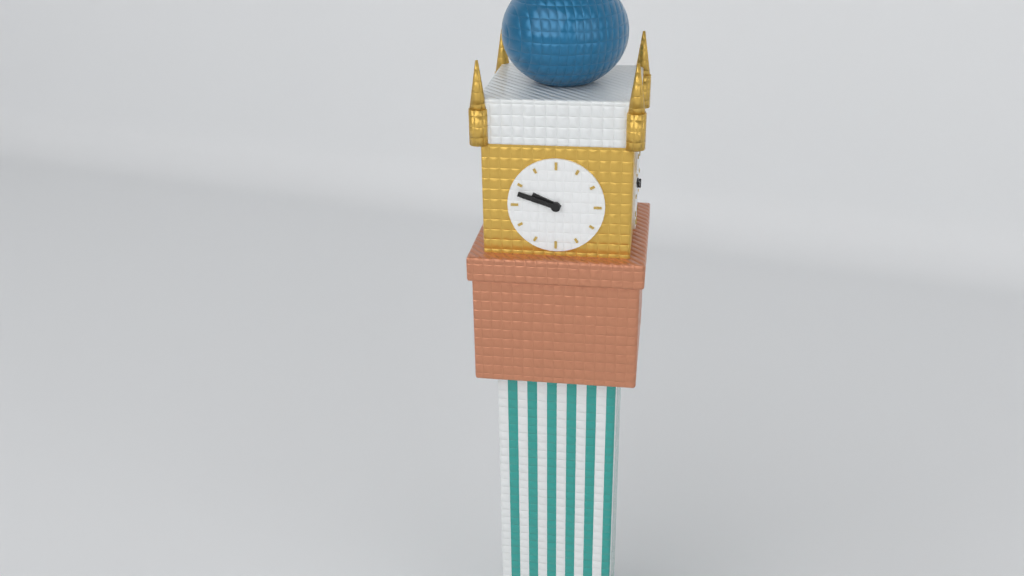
9:48
